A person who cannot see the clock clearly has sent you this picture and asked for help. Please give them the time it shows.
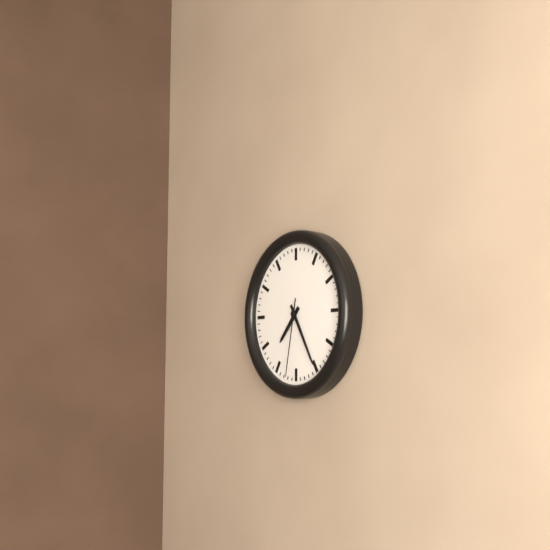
7:25:32
